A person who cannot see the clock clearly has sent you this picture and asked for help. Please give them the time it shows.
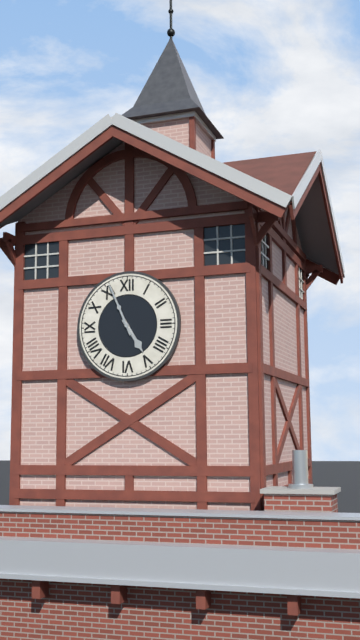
4:56
